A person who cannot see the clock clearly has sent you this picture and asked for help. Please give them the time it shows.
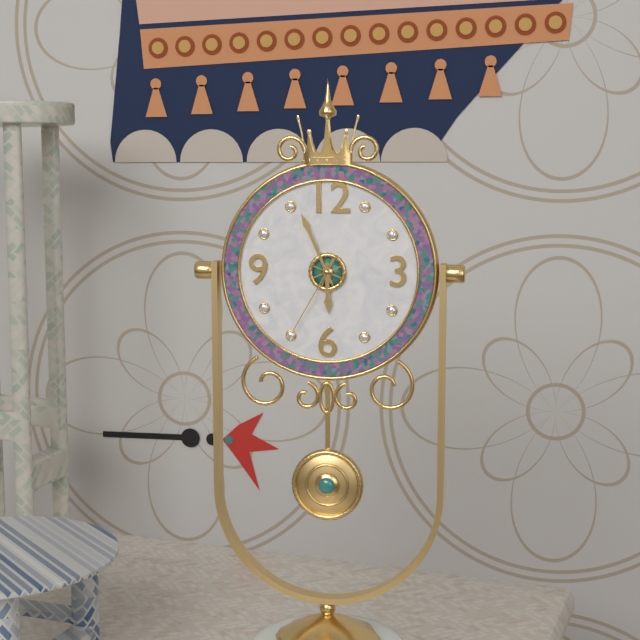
5:56:35
